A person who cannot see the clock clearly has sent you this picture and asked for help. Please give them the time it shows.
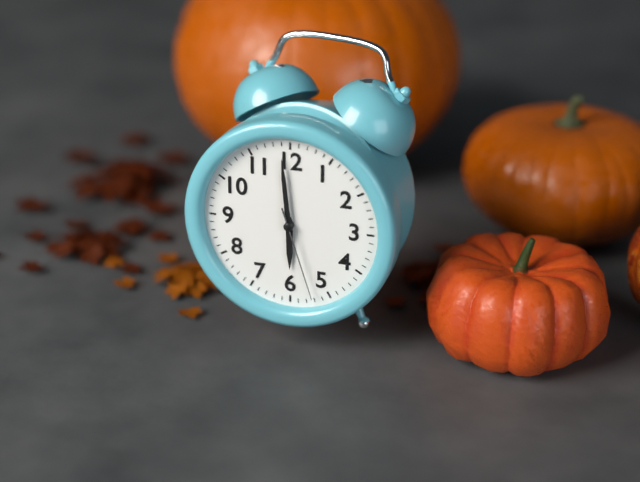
5:59:27
